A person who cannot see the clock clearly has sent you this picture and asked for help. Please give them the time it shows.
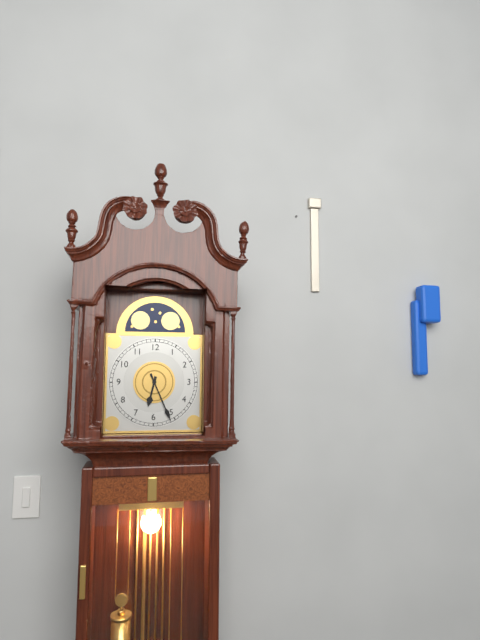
6:26
